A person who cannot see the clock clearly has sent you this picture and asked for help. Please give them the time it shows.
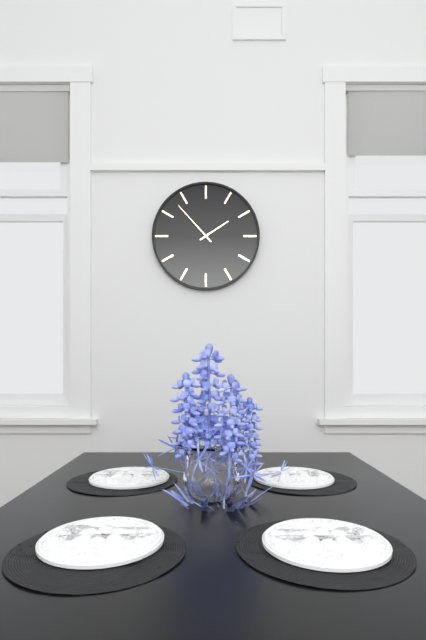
1:53
